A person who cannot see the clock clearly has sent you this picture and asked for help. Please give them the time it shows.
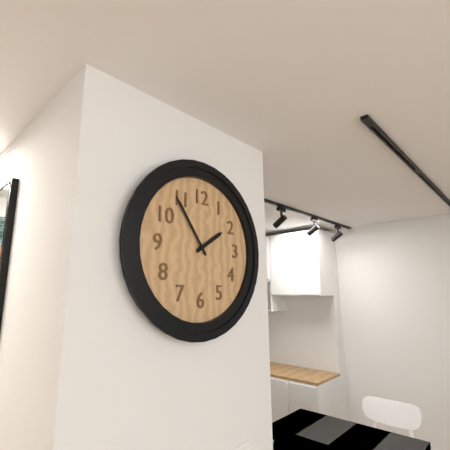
1:54
